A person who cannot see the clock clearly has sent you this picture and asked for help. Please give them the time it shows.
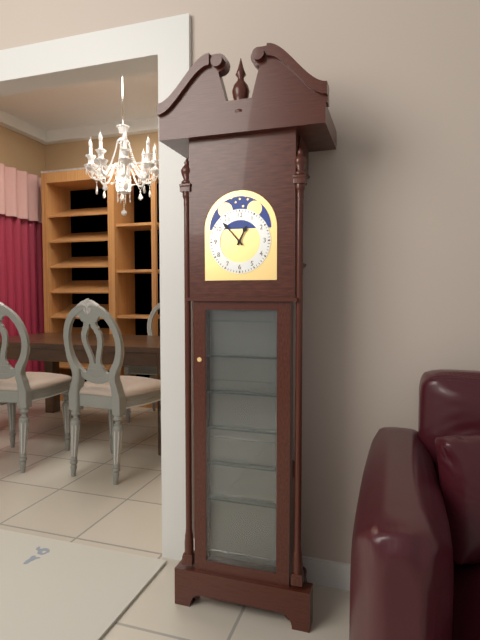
12:53
